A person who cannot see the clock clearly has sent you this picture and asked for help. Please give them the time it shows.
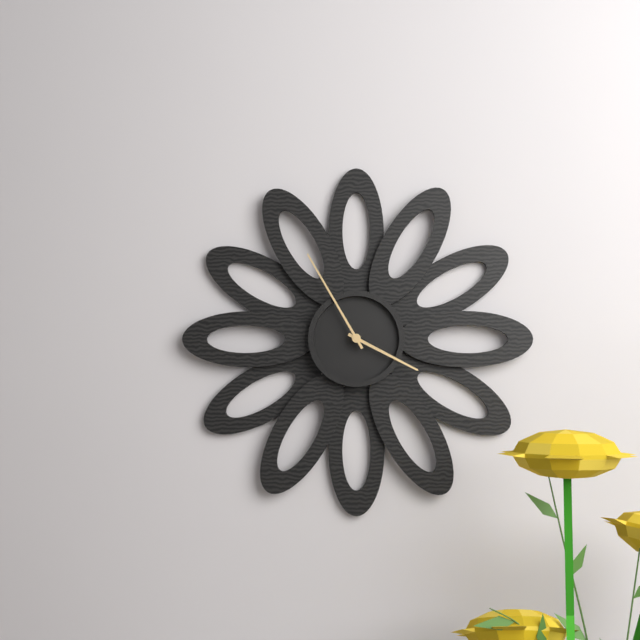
3:55
